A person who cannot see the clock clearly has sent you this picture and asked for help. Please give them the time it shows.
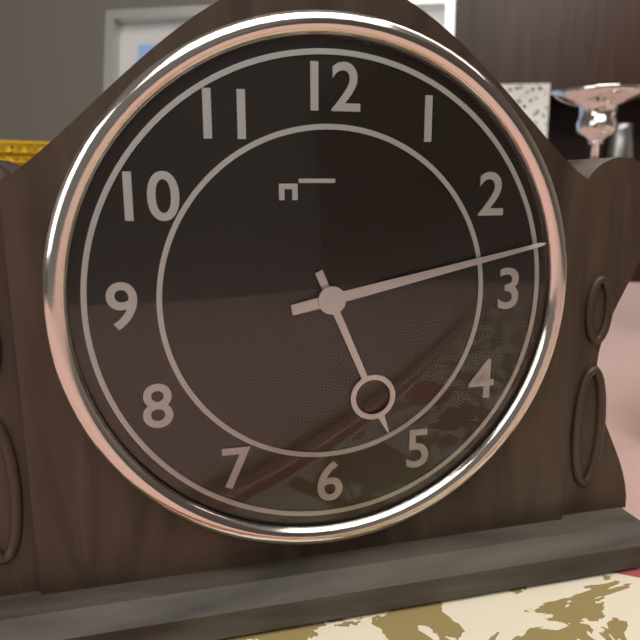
5:13
